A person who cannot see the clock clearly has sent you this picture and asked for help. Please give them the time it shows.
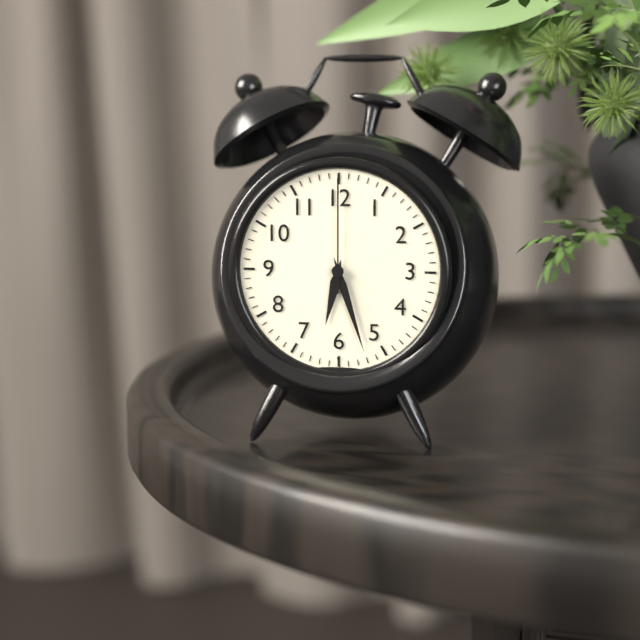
6:27:00
